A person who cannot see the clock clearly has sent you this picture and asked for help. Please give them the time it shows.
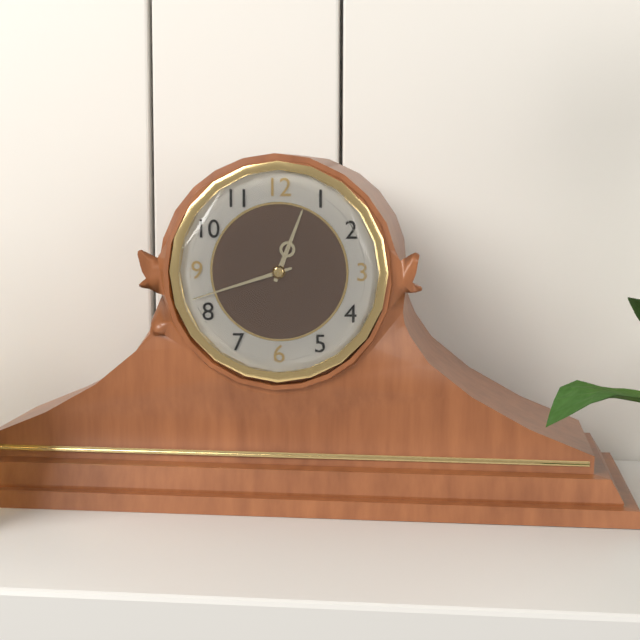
12:42
